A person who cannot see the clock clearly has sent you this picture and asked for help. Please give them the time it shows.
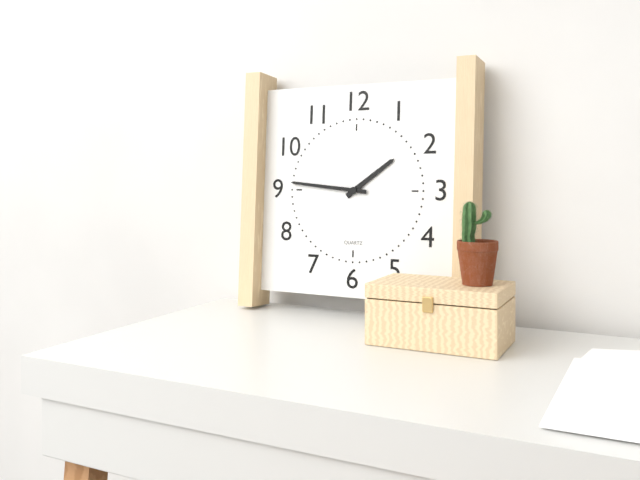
1:46
